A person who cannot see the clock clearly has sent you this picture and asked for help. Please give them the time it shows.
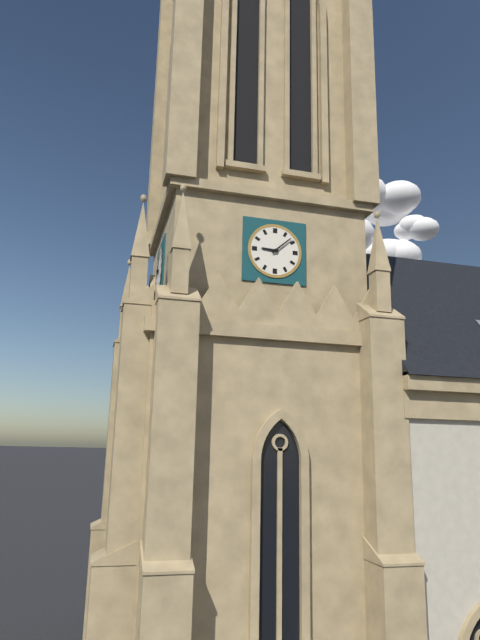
9:08
